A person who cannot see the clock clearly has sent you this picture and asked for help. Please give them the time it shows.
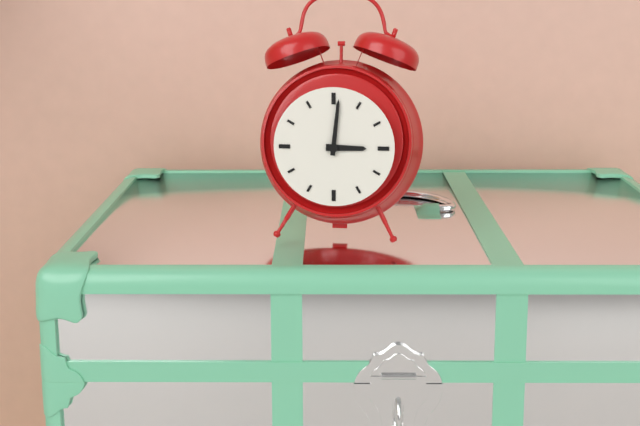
3:01
